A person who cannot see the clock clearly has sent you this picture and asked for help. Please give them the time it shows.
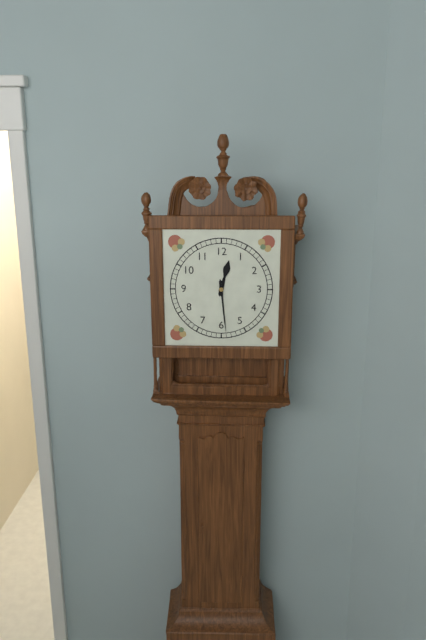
12:29
